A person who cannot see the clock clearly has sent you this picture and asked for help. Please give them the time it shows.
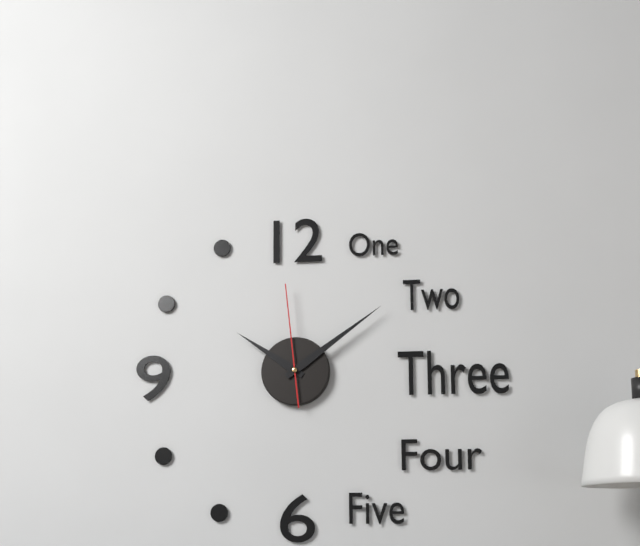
10:09:59
